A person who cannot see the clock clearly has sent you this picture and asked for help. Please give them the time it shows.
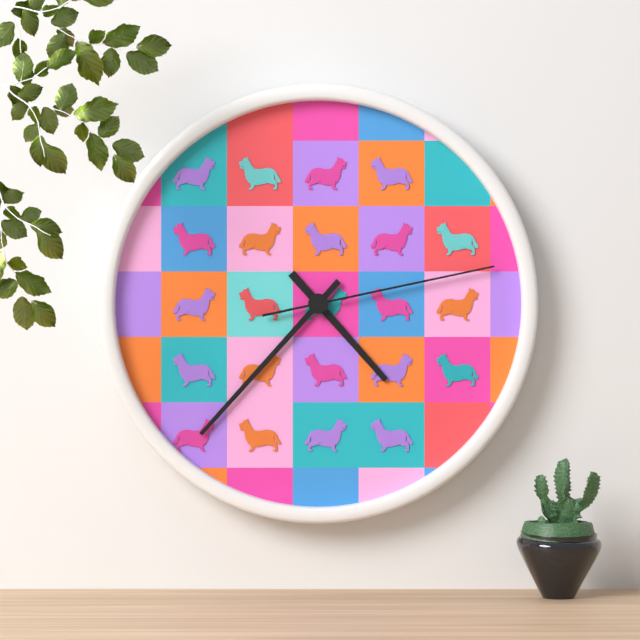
4:37:13
